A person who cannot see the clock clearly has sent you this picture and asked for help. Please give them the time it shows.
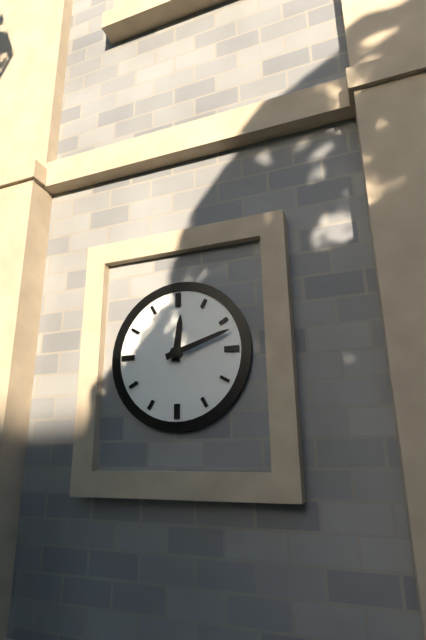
12:12
